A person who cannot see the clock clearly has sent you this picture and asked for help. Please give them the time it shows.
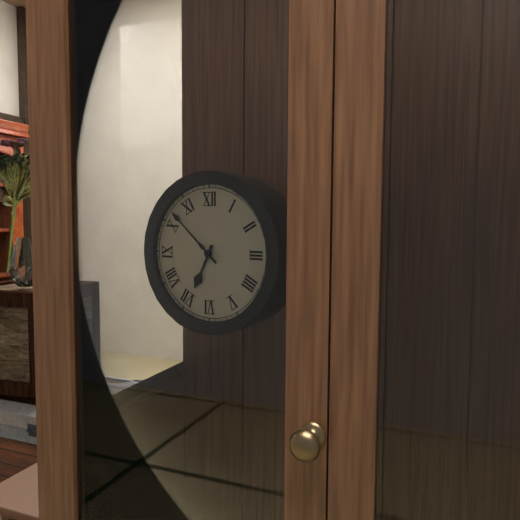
6:52
